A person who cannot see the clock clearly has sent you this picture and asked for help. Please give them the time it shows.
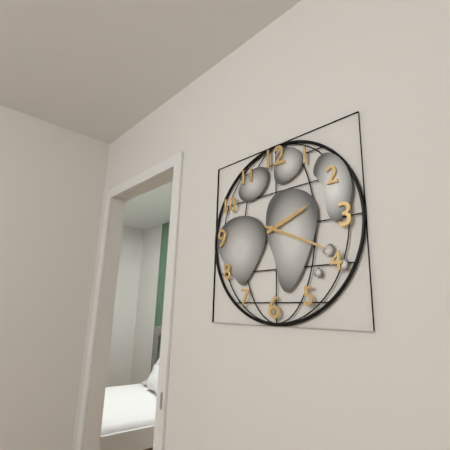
2:19
